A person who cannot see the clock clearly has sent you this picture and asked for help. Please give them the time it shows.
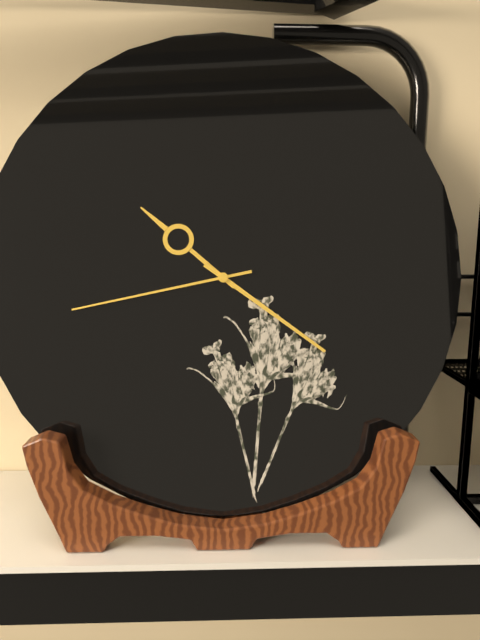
10:21:43
